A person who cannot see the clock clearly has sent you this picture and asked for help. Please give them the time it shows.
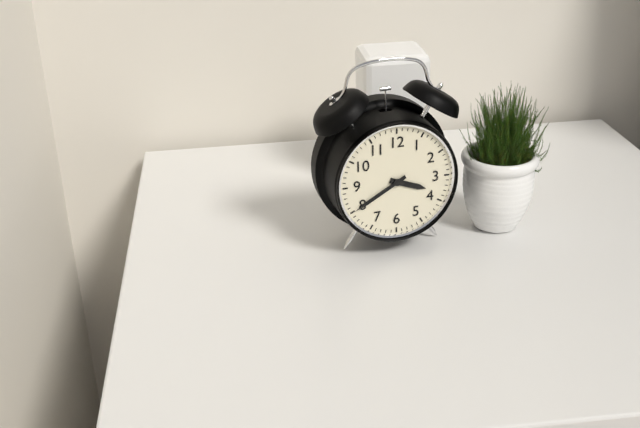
3:40
